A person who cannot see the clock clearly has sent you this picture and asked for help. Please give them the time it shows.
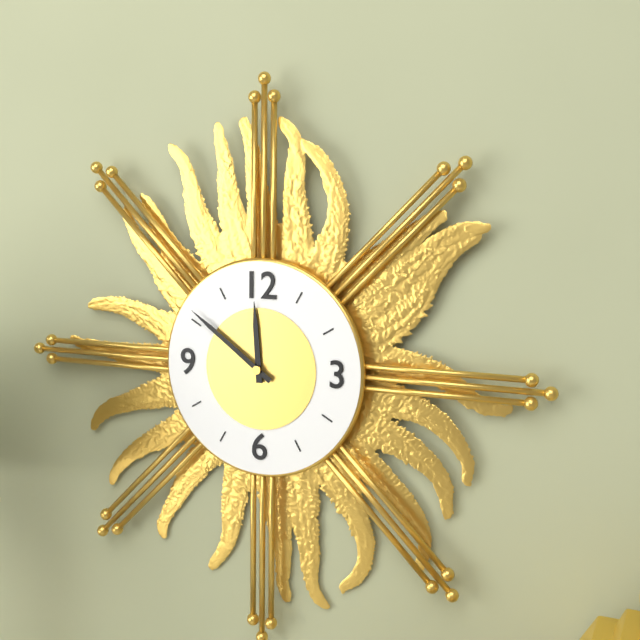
11:51
